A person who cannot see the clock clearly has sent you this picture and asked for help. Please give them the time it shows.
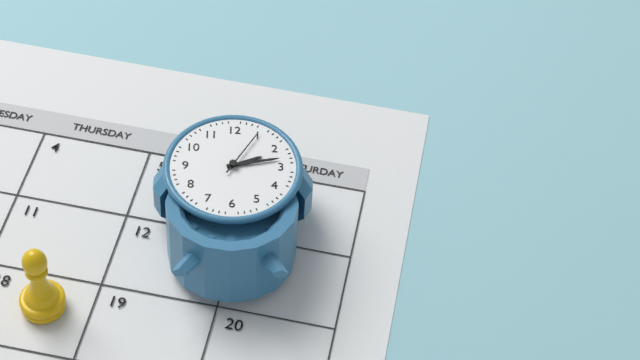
2:13:05
